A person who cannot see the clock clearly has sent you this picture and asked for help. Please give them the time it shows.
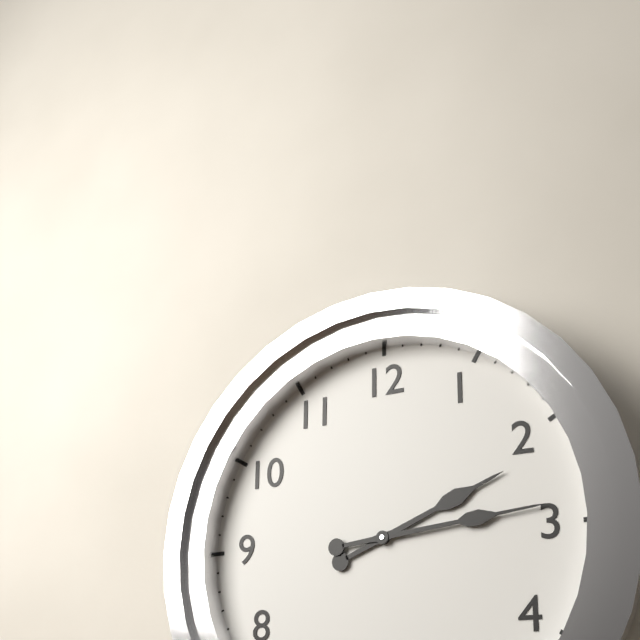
2:14
